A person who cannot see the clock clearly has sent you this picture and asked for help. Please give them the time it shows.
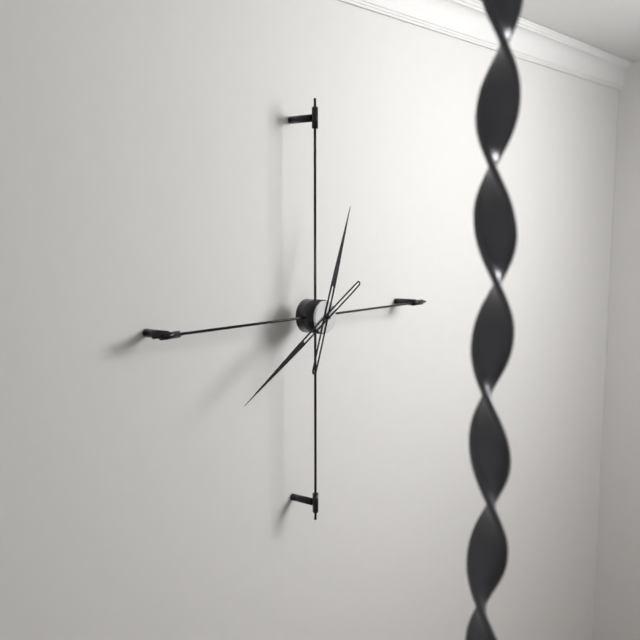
12:40
